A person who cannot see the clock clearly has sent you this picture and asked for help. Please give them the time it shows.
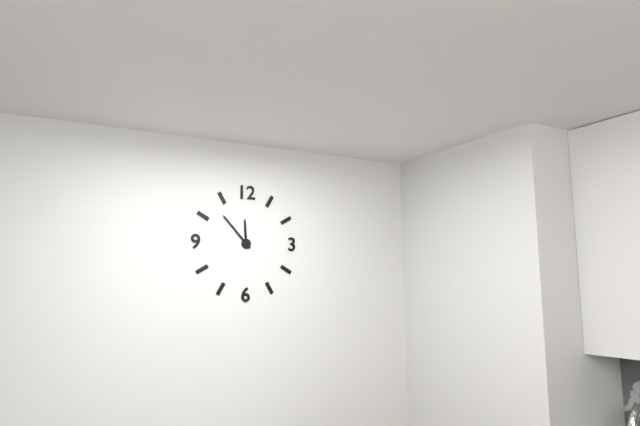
11:53
